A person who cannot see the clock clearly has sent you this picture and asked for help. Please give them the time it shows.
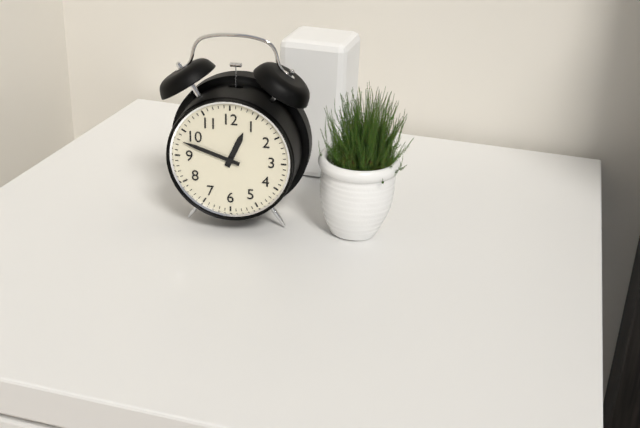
12:48
